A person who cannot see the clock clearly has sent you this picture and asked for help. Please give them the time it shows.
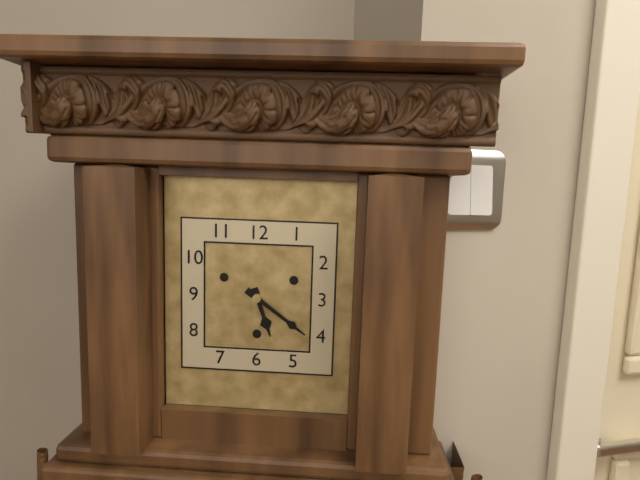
5:21
